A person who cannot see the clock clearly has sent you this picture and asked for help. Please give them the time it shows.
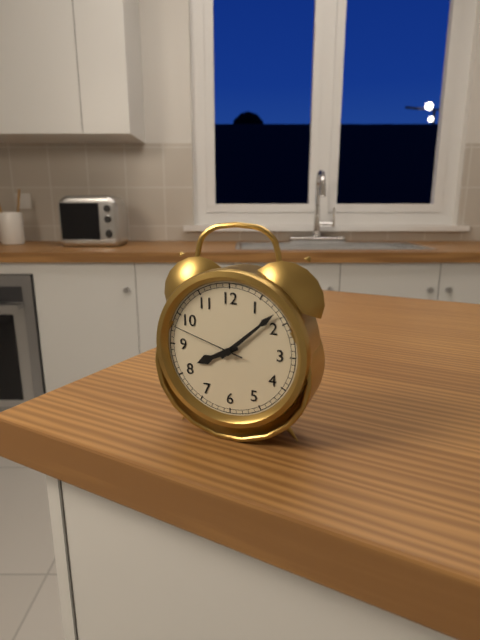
8:08:48
